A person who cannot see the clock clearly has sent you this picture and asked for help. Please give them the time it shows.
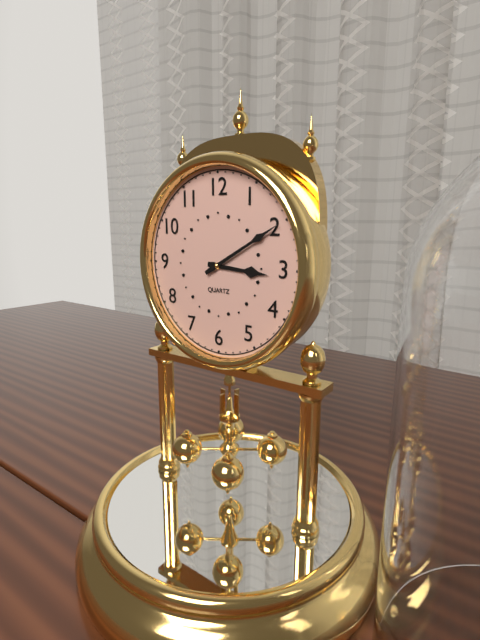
3:10
